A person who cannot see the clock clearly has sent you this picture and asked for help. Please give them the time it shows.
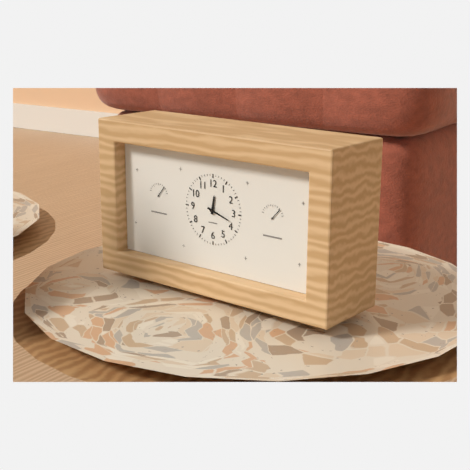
12:18
